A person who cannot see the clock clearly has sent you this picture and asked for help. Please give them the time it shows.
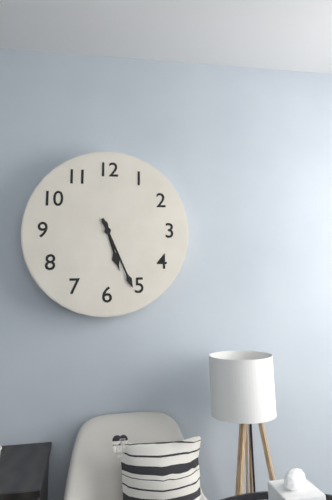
5:26
